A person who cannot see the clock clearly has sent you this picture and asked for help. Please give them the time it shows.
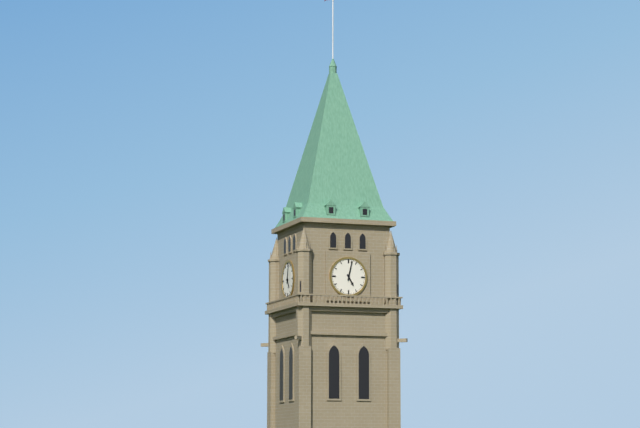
5:02
